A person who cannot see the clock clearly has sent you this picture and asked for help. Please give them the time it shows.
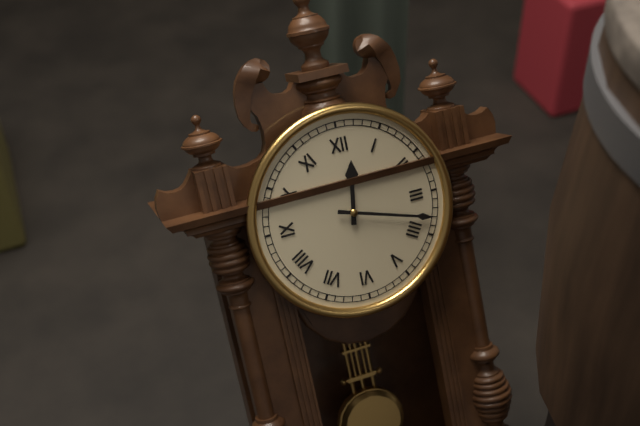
12:18
